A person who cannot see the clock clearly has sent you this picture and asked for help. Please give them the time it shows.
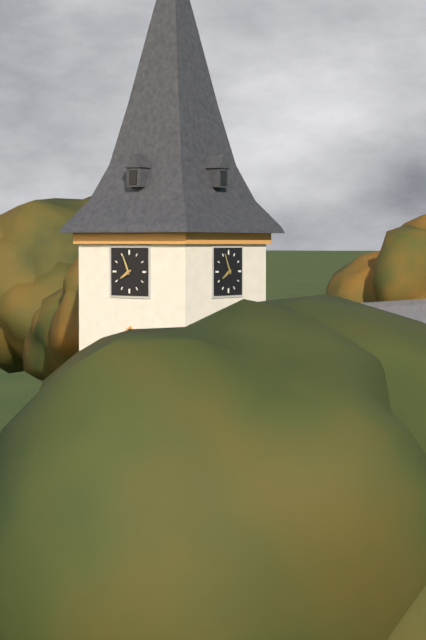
7:56
